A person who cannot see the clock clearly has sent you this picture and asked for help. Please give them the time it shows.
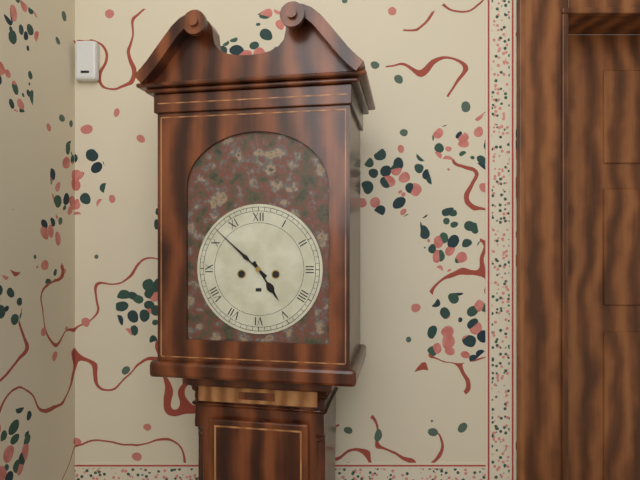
4:52
